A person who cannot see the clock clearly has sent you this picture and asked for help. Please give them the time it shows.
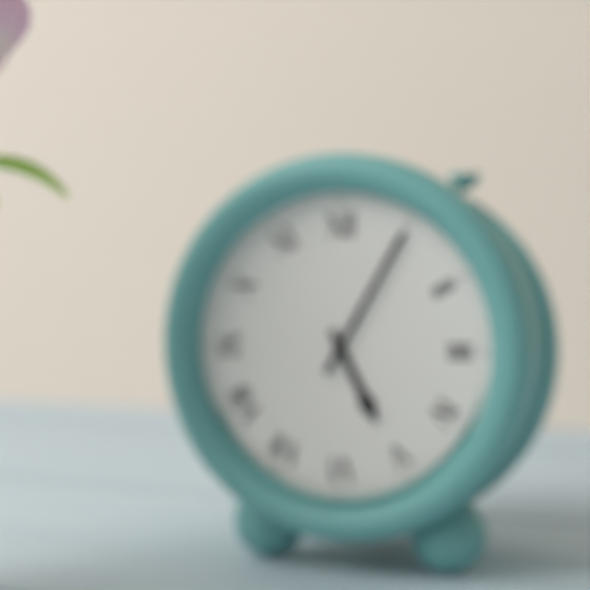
5:05
